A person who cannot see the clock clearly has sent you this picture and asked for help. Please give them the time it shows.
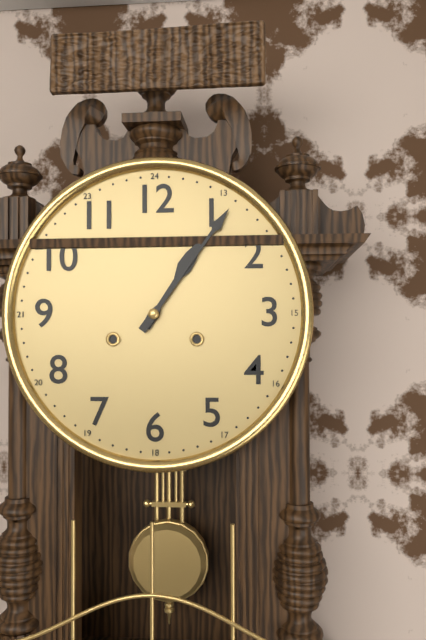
1:06
